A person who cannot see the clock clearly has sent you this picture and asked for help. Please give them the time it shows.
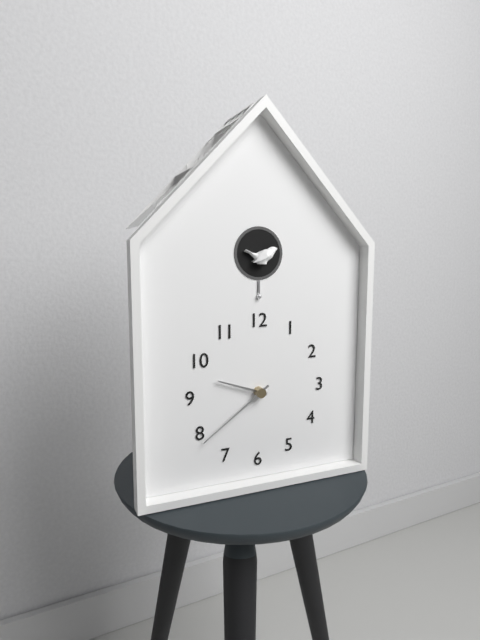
9:39
